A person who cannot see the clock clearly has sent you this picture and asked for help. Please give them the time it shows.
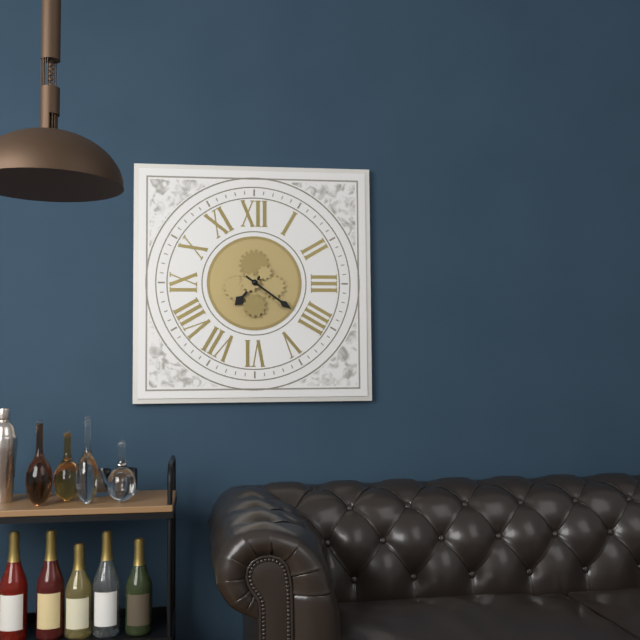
7:21
